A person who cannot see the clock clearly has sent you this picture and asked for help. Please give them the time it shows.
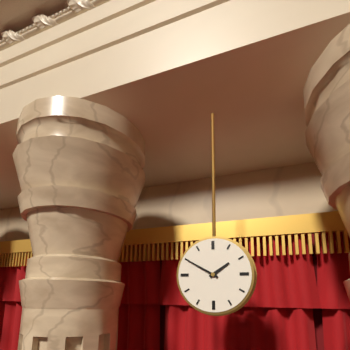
1:50
